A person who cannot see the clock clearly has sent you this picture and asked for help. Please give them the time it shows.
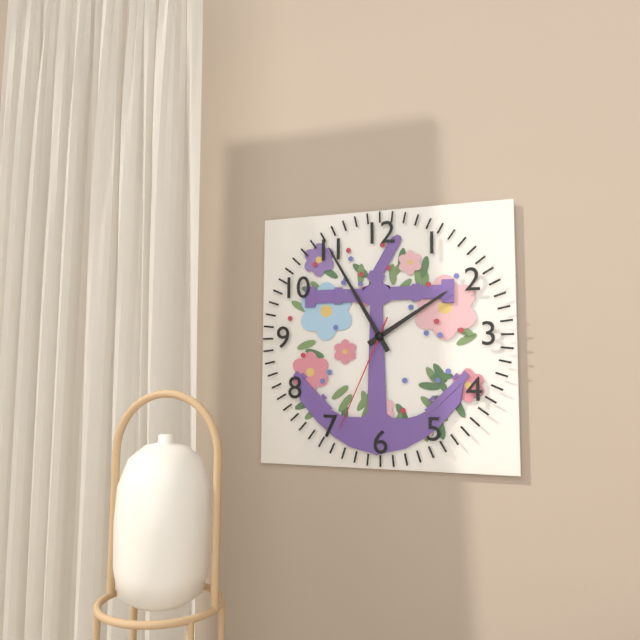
1:55:34
